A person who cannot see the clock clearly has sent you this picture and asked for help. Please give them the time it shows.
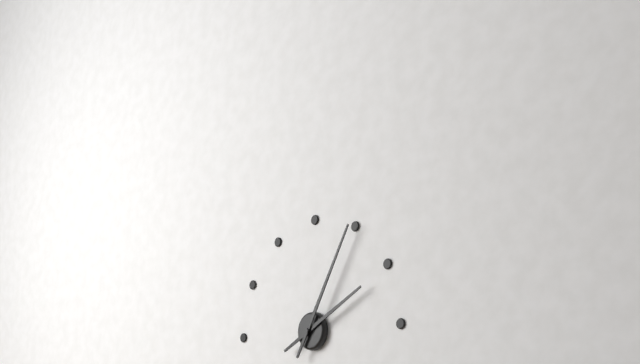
2:05
